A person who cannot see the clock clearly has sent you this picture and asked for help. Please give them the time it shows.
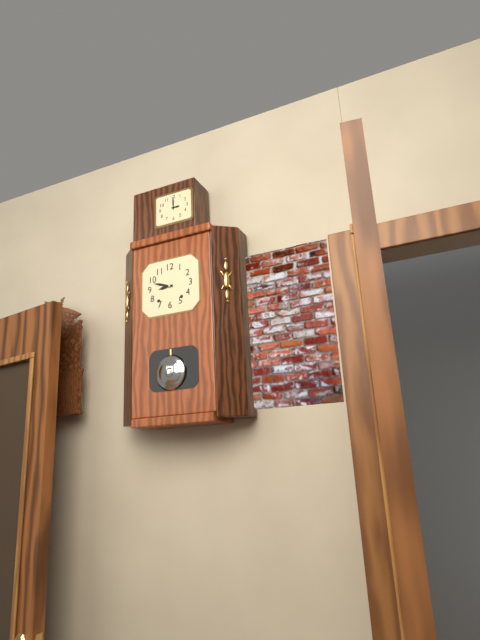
8:48
